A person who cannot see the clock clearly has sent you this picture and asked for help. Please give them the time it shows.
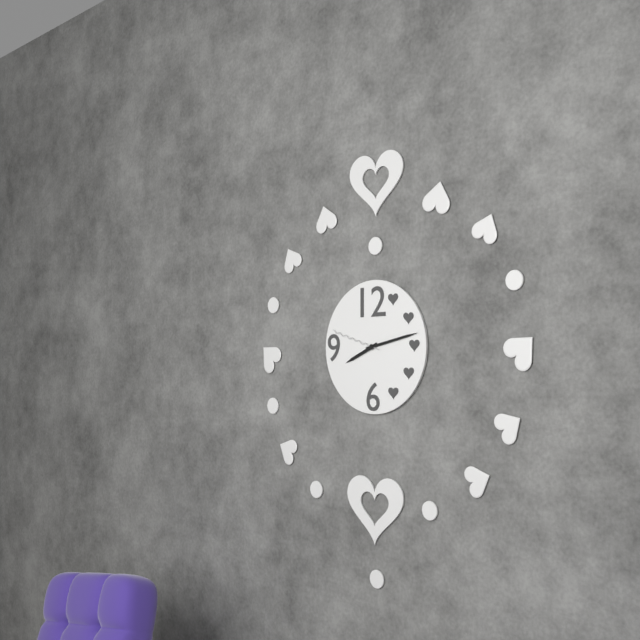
8:13:48
